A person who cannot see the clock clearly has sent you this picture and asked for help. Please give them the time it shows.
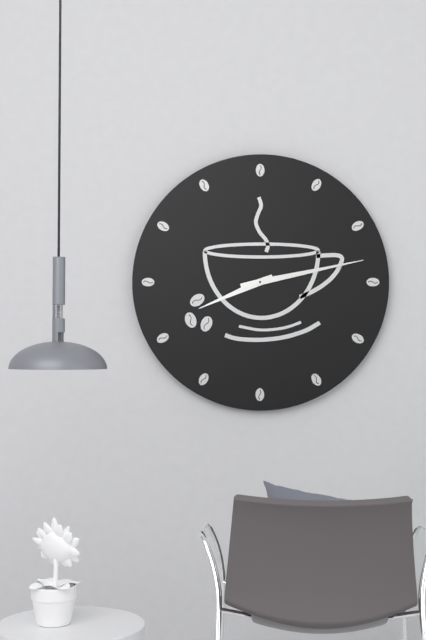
8:13
